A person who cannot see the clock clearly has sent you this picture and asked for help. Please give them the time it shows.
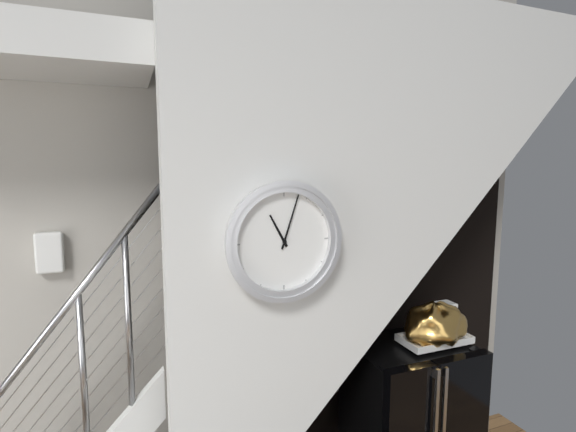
11:03
